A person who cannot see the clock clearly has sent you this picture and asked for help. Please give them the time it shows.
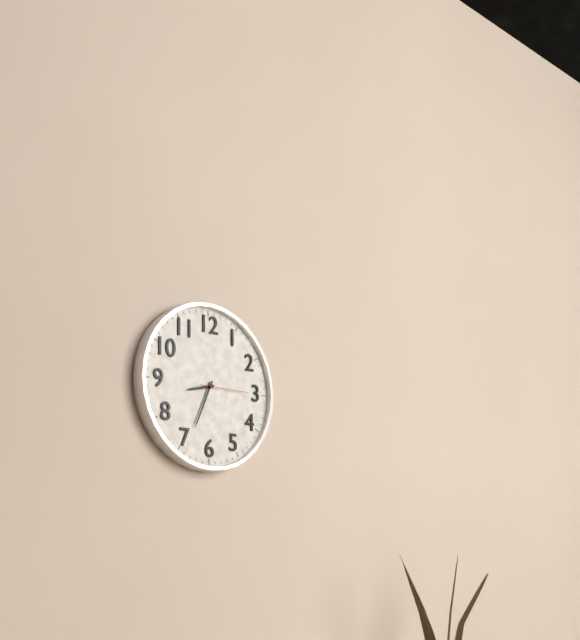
8:34
